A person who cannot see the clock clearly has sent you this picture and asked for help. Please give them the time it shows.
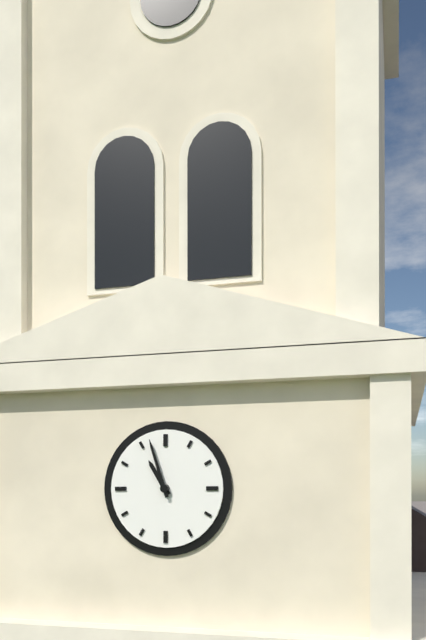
10:57
